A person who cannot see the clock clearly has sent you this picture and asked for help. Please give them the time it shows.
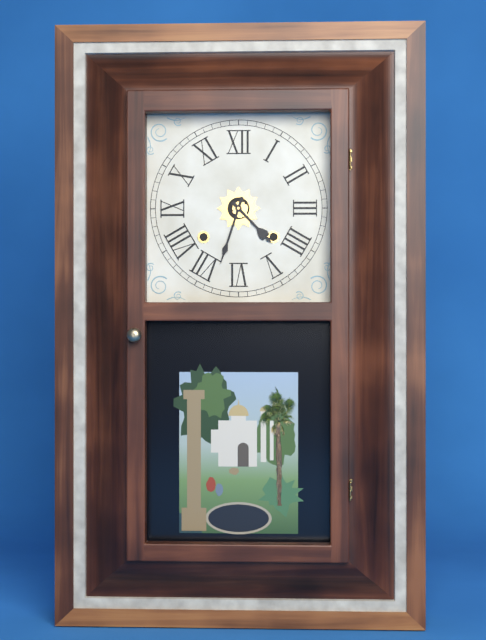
4:33
